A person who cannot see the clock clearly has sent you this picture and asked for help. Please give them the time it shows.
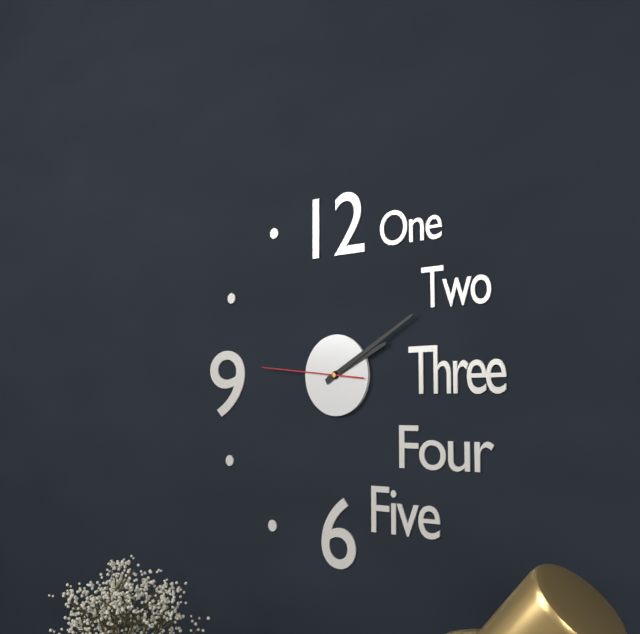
2:10:46
